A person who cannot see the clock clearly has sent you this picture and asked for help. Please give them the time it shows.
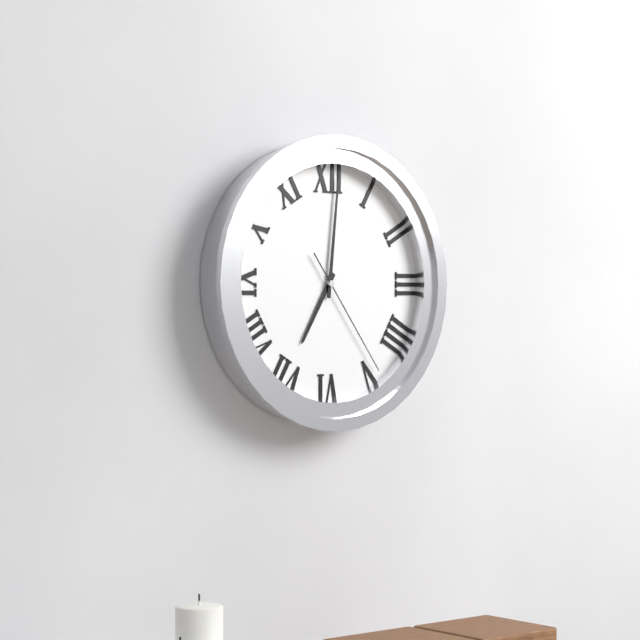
7:01:24
